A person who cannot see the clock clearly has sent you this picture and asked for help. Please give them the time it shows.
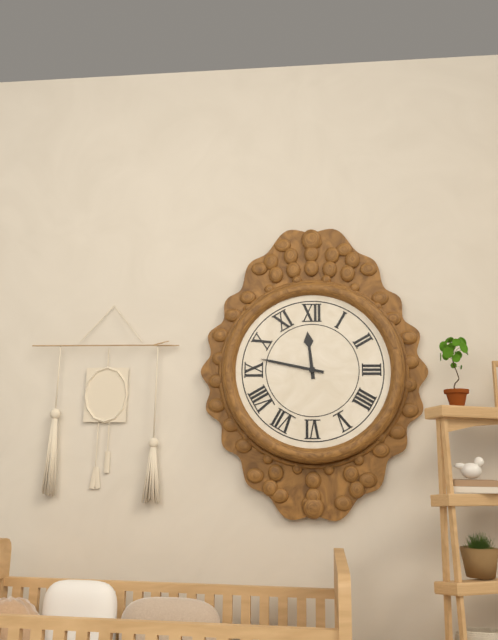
11:47
